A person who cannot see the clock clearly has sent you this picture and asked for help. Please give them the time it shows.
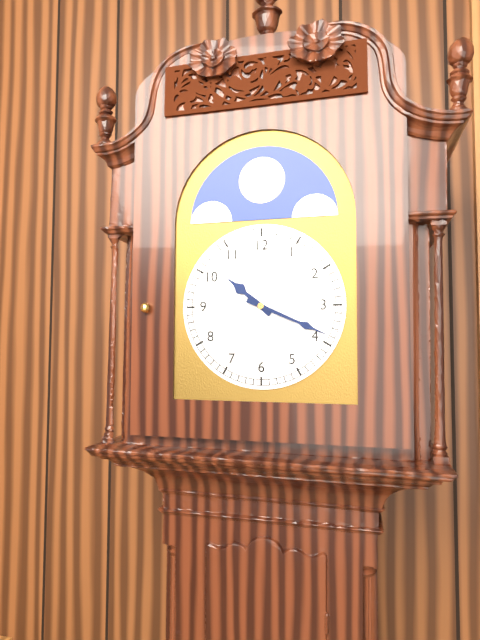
10:19
